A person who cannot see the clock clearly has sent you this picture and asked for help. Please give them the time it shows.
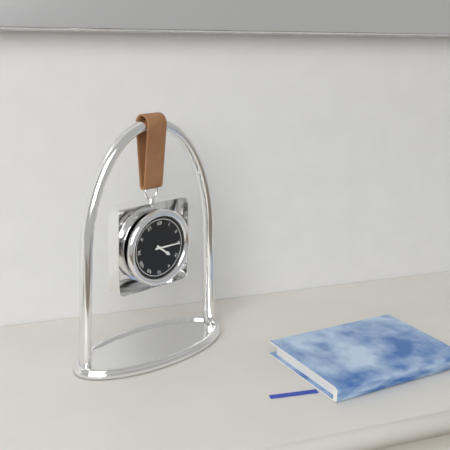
4:15
